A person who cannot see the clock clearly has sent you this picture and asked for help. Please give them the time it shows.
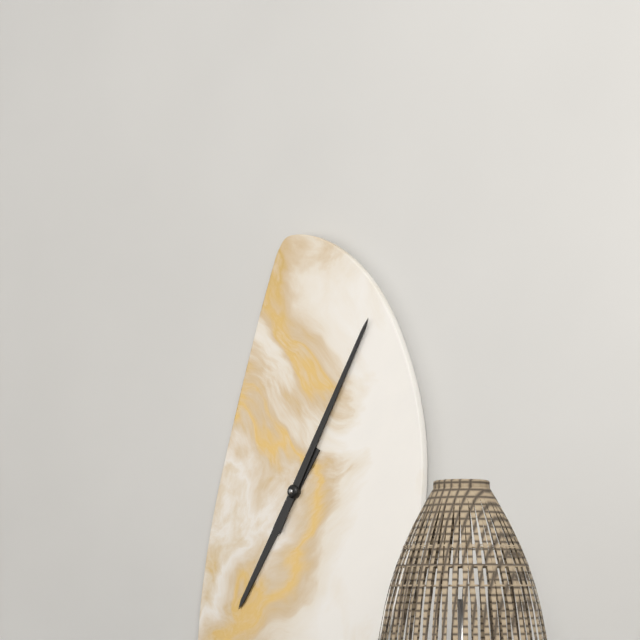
7:05
